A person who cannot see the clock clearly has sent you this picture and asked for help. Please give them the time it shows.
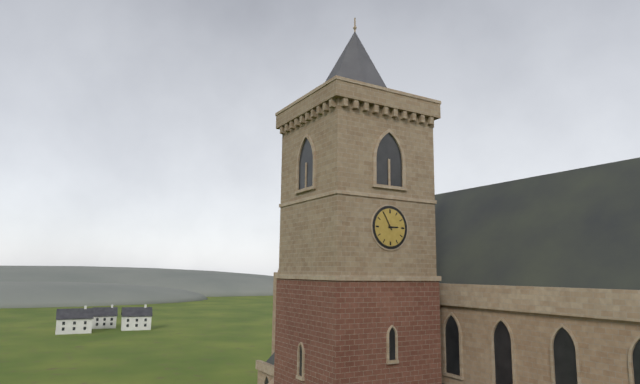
2:55
